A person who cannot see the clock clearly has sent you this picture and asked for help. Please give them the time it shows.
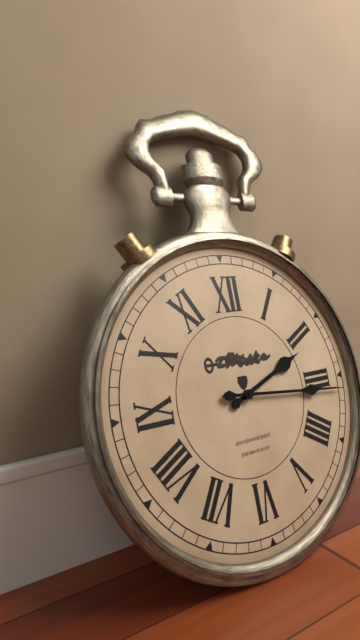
2:16
